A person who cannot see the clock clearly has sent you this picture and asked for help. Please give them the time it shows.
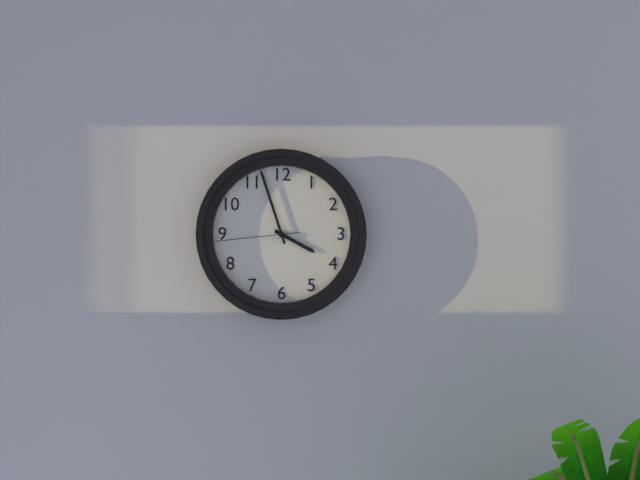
3:57:44
